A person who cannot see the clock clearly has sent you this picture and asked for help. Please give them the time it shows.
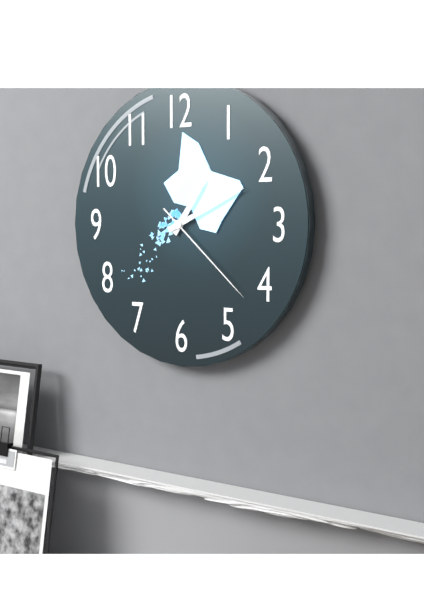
1:11:22
